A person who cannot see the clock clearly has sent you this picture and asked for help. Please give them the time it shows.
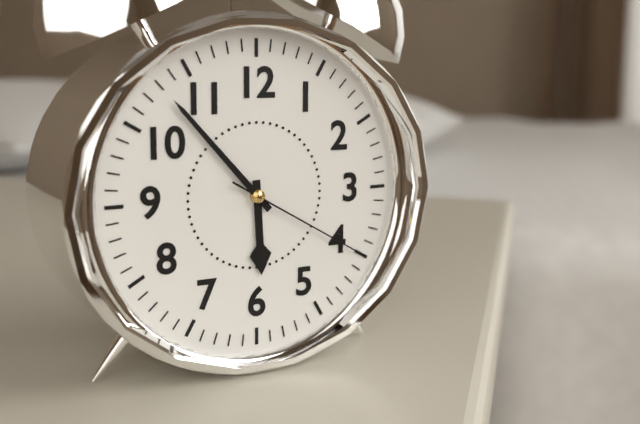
5:53:20
